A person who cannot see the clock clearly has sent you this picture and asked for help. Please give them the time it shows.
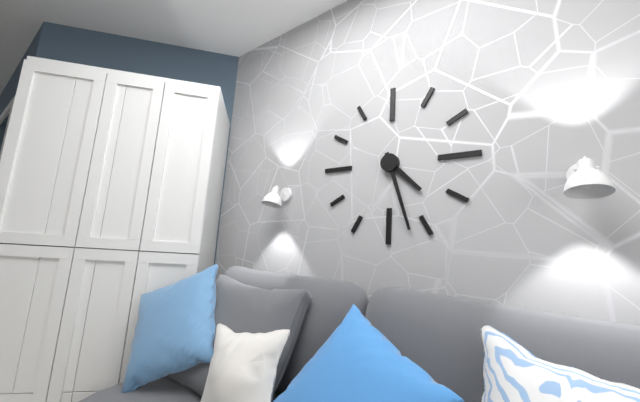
4:27
